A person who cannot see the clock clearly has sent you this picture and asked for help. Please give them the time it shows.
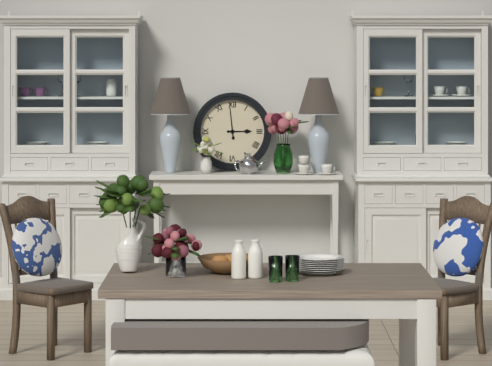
2:59
